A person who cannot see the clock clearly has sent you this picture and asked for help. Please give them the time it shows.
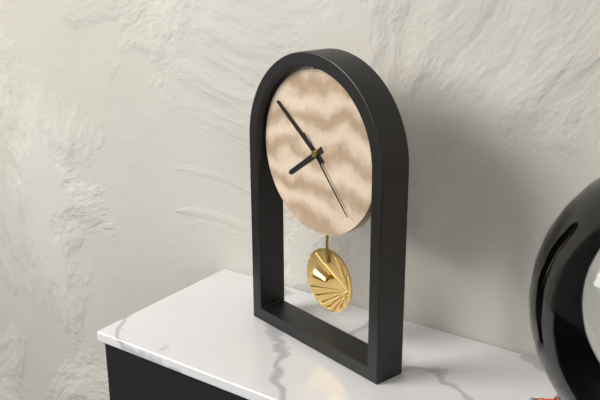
7:51:23
